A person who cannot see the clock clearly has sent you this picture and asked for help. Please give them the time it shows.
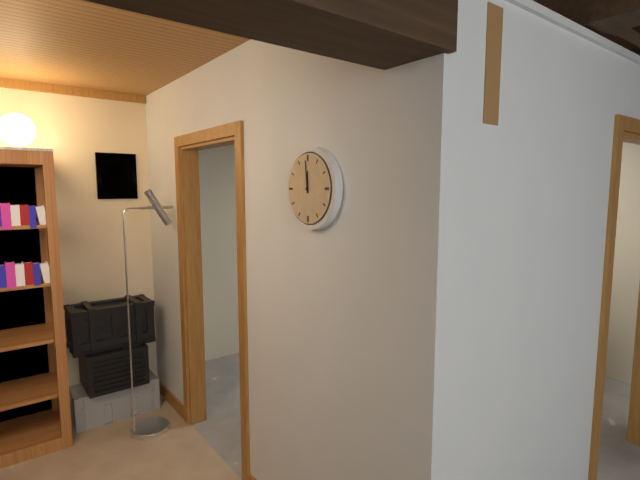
11:59
